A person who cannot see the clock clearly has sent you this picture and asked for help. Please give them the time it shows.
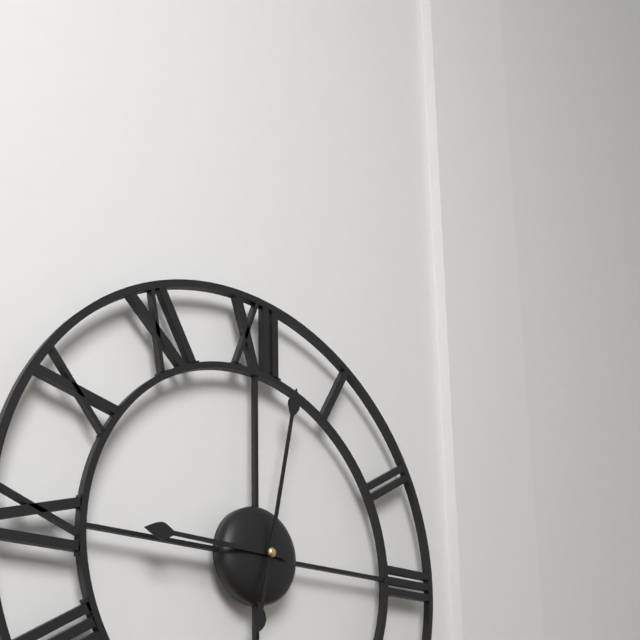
9:02
